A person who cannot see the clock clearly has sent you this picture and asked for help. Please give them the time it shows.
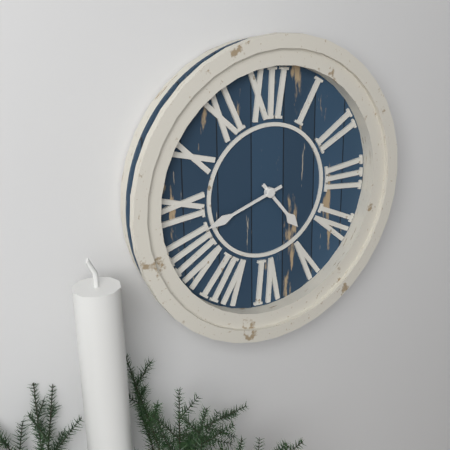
4:42
